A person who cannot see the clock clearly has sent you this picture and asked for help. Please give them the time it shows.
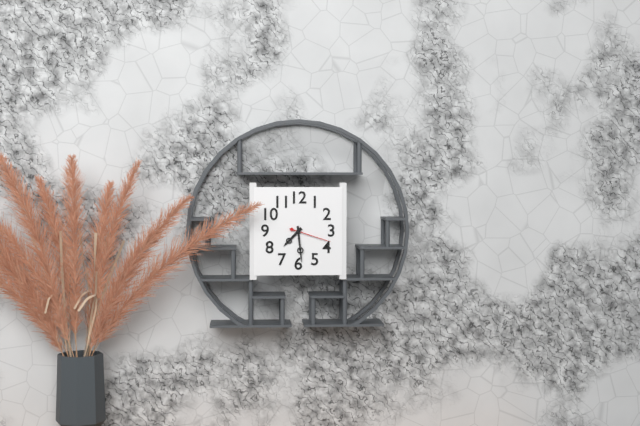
7:29
